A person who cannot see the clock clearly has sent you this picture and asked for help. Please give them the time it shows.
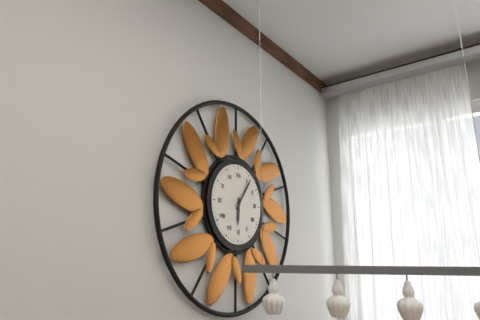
6:06
